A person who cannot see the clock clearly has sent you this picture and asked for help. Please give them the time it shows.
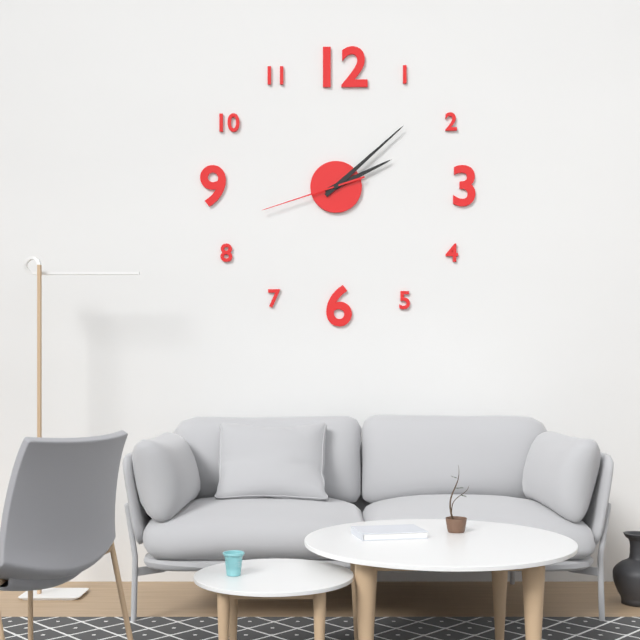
2:08:42
